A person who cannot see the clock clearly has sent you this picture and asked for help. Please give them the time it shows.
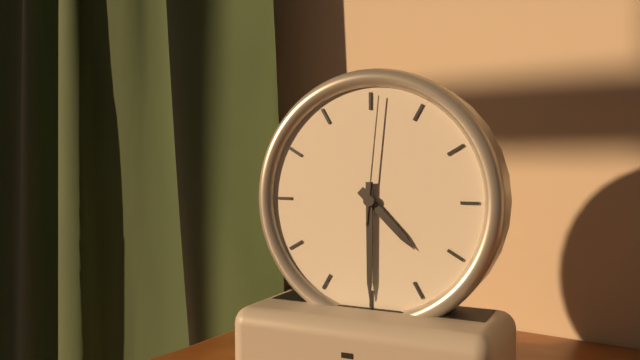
4:30:01
